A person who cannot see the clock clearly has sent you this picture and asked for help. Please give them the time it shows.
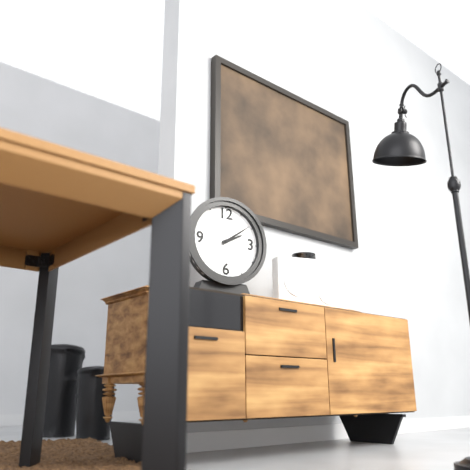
2:09
